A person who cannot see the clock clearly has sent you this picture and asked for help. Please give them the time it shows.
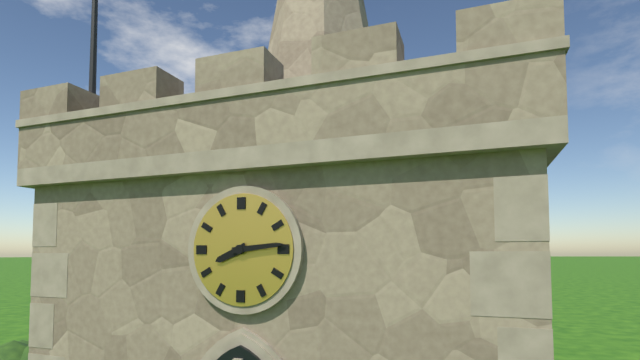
8:14
